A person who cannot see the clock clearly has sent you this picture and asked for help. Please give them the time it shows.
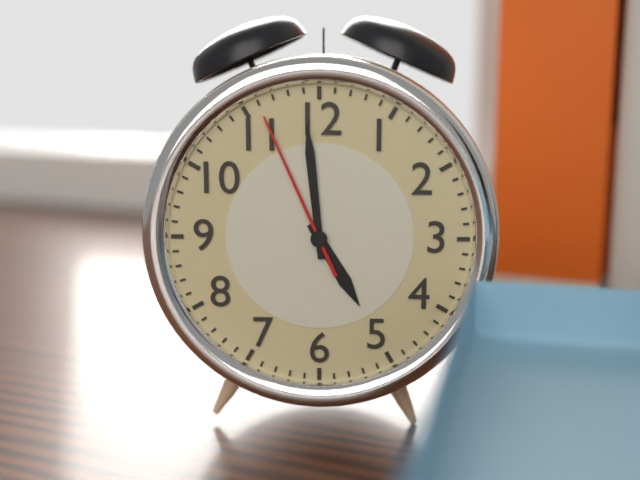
4:59:56
